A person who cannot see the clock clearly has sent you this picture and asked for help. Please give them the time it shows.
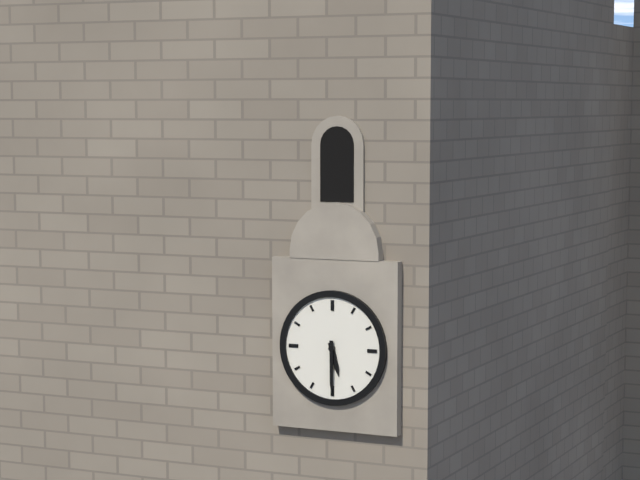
5:30
